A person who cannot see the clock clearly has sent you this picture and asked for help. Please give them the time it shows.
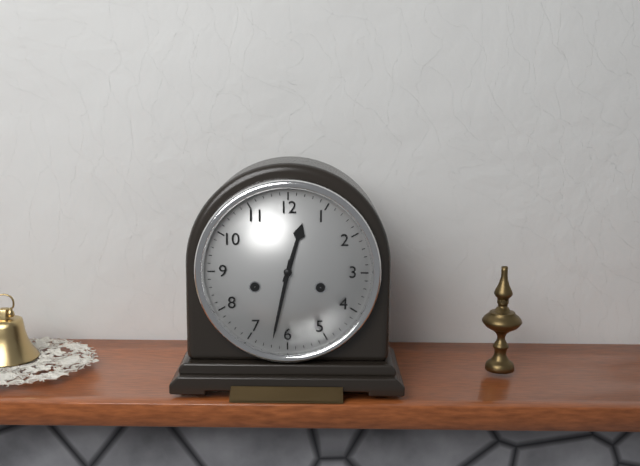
12:32
